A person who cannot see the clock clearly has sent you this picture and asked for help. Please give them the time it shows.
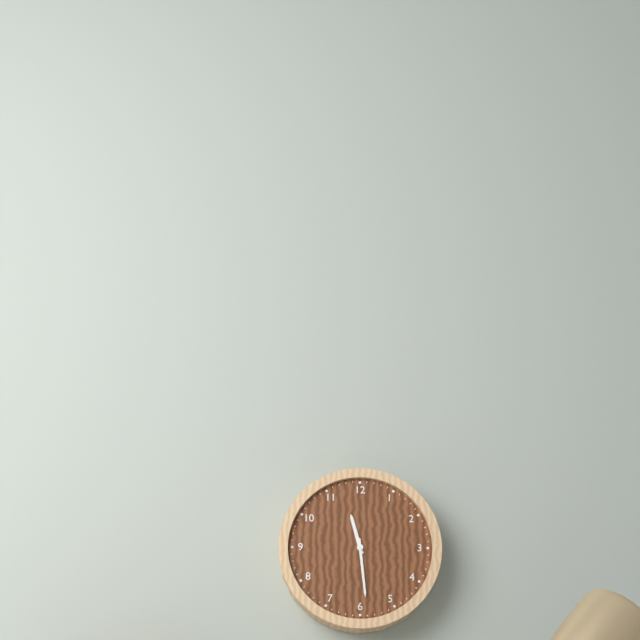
11:29
